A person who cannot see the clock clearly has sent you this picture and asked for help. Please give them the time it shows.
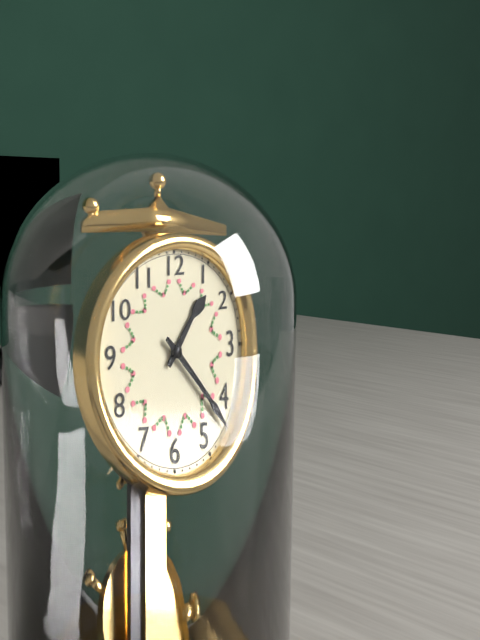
1:22
